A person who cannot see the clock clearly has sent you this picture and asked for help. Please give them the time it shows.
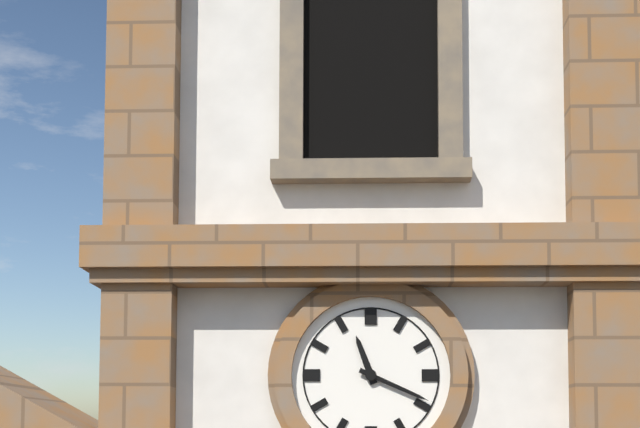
11:19
